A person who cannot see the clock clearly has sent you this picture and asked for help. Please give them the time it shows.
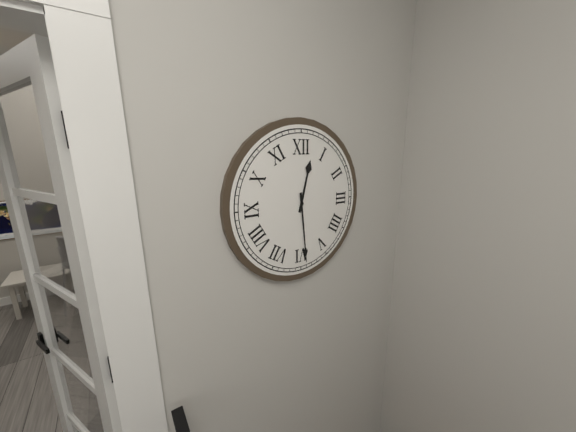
12:29
